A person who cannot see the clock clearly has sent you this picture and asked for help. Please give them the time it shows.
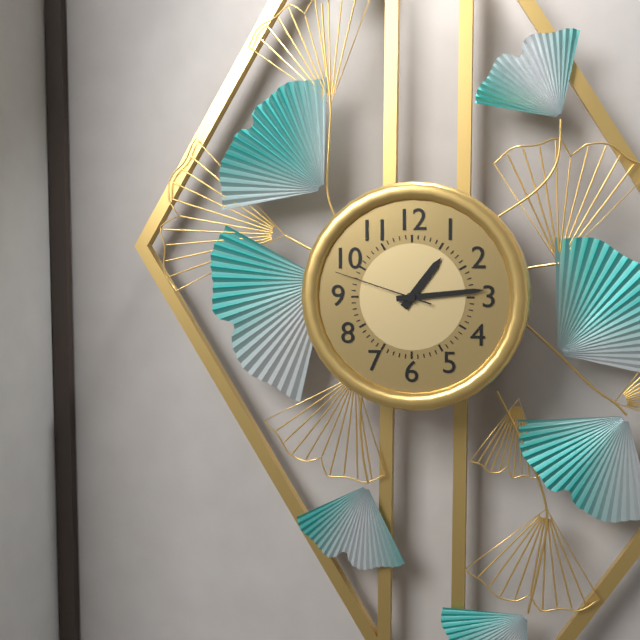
1:14:48
